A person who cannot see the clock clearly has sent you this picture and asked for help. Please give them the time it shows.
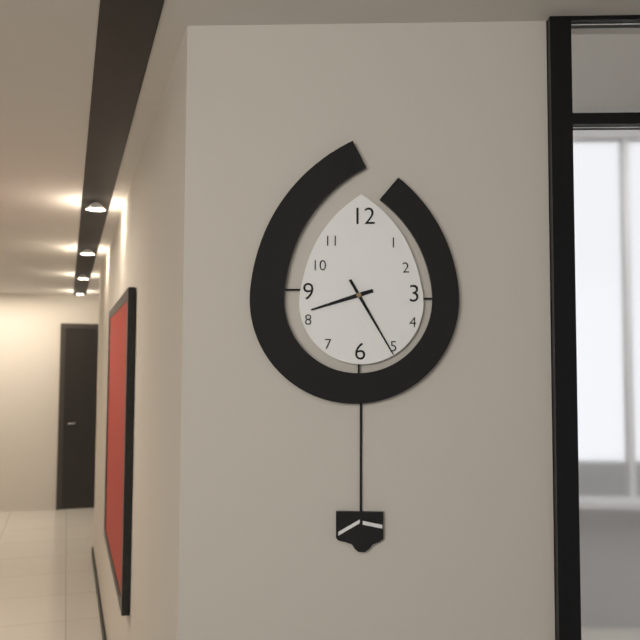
8:25
